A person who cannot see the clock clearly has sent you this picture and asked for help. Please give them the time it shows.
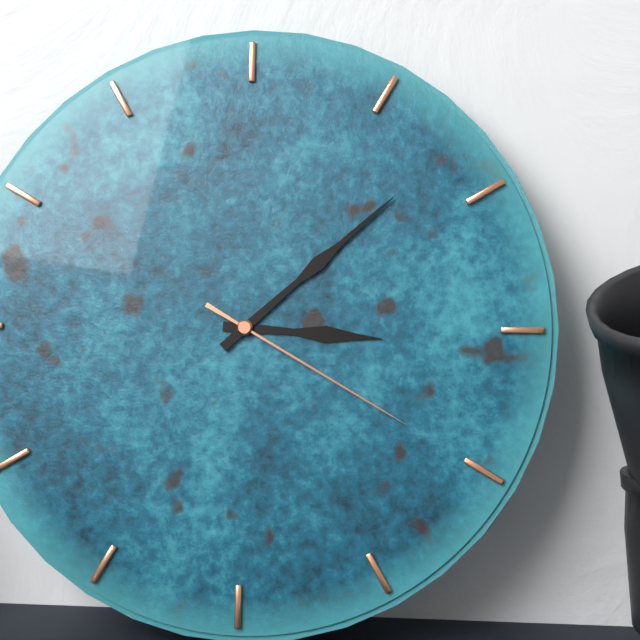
3:08:20
